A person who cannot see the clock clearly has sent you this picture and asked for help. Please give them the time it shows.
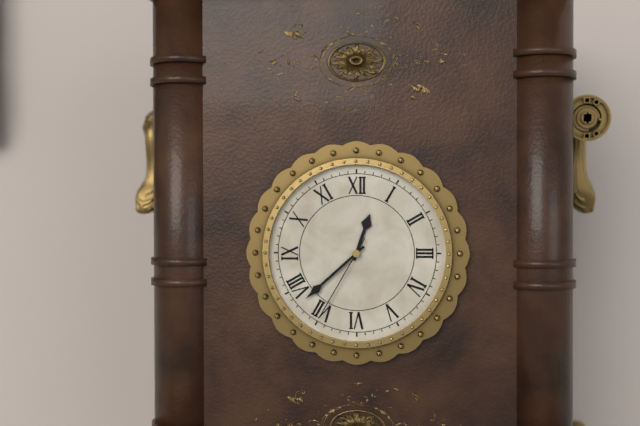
12:38:35
